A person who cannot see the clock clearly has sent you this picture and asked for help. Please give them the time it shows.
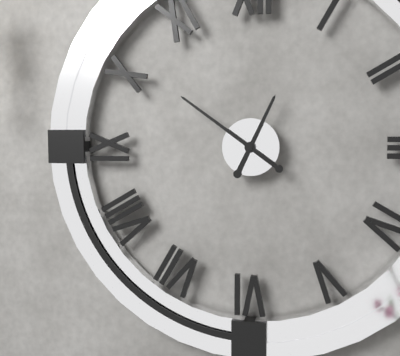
12:51
